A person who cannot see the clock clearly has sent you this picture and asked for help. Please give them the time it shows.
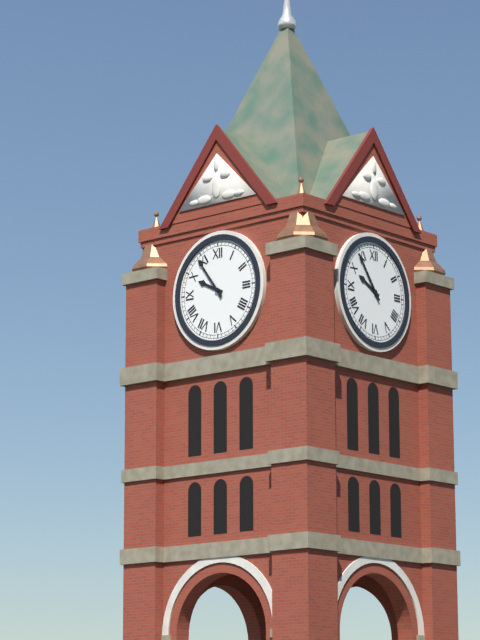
9:54
